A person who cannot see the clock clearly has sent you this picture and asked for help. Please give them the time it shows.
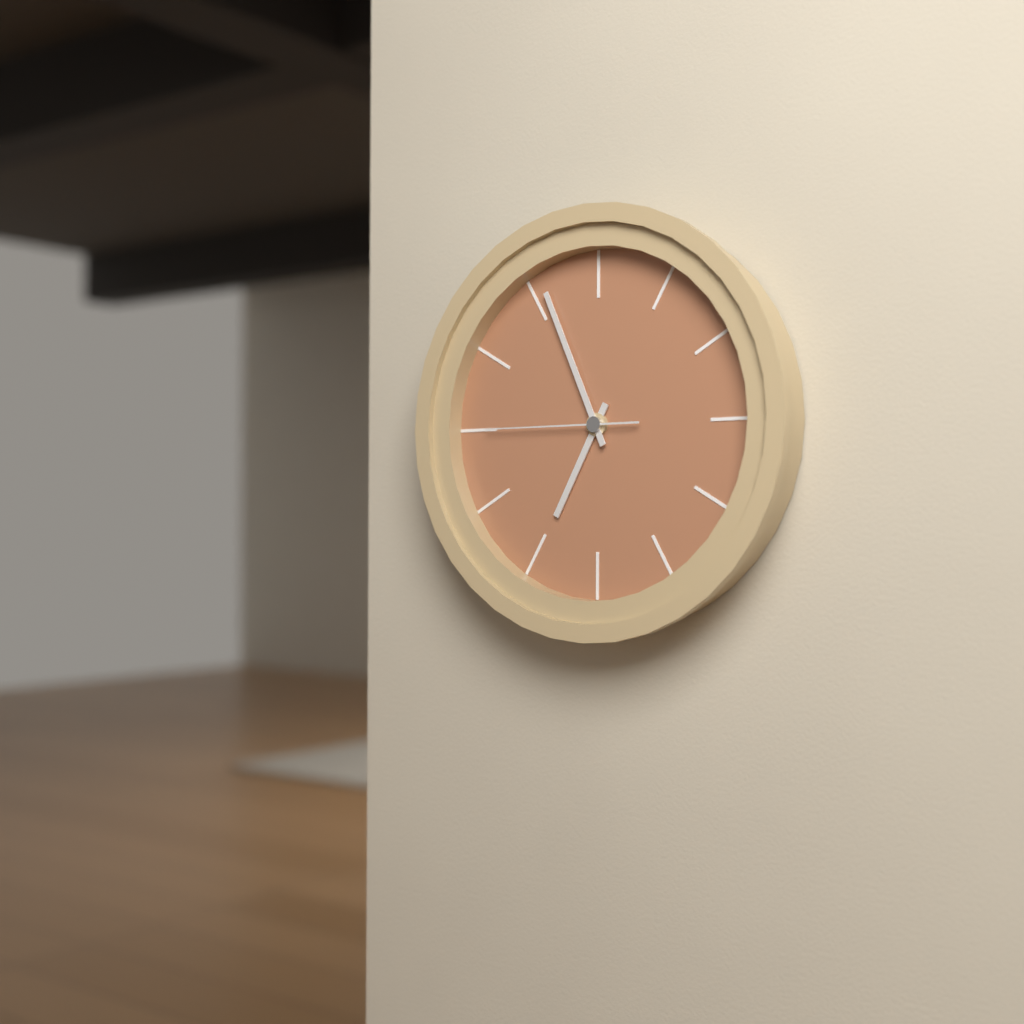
6:56:45
